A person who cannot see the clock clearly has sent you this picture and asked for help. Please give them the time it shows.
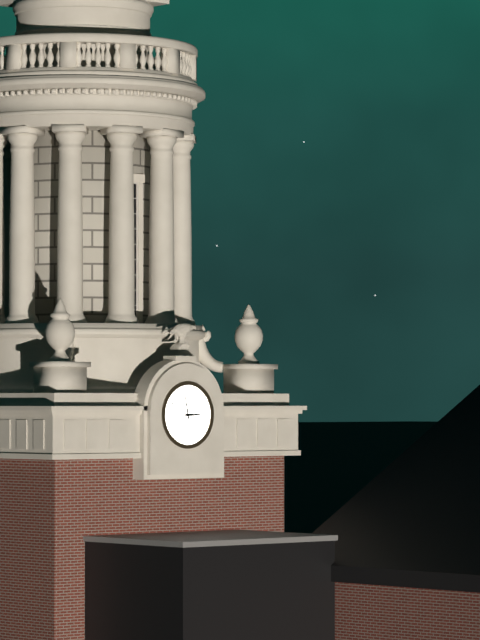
2:58
